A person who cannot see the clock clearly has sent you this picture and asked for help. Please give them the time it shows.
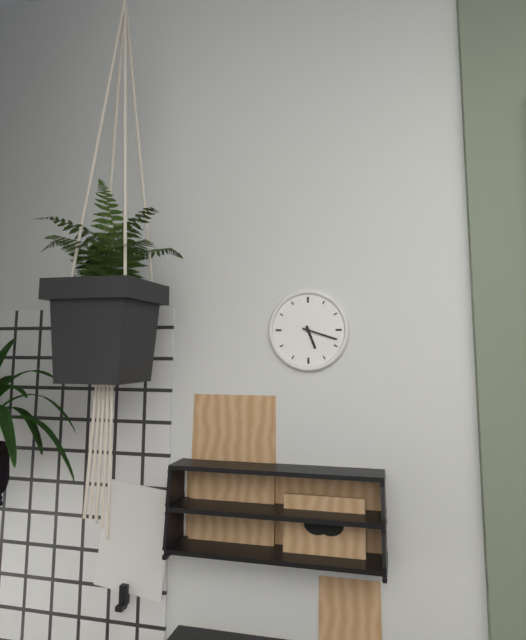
5:18
